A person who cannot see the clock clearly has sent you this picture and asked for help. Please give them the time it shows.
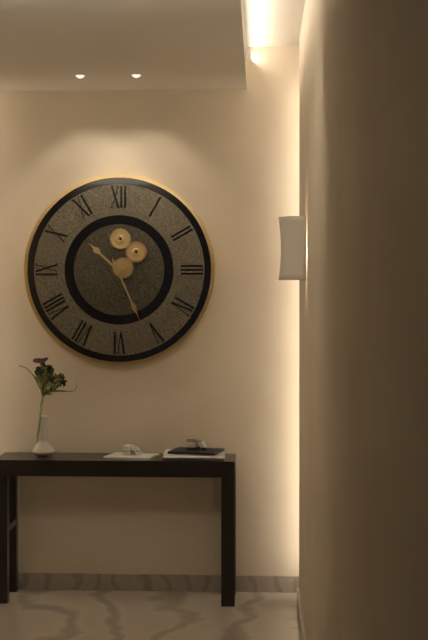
10:26
